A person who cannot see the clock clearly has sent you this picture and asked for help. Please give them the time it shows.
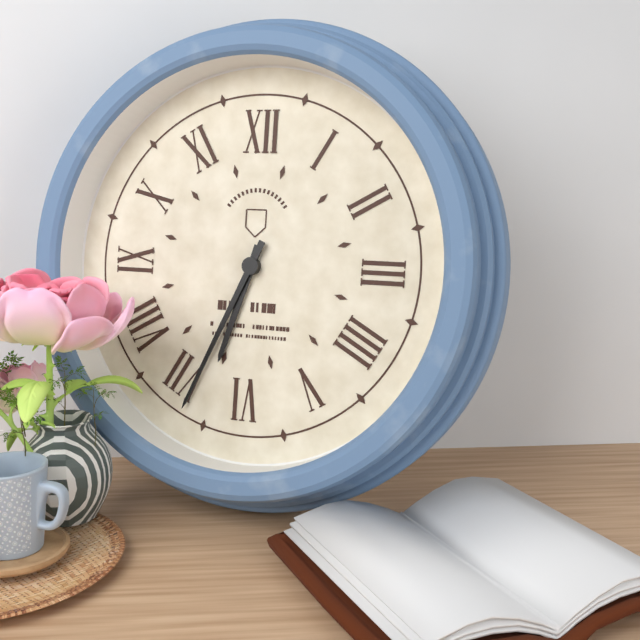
6:34
